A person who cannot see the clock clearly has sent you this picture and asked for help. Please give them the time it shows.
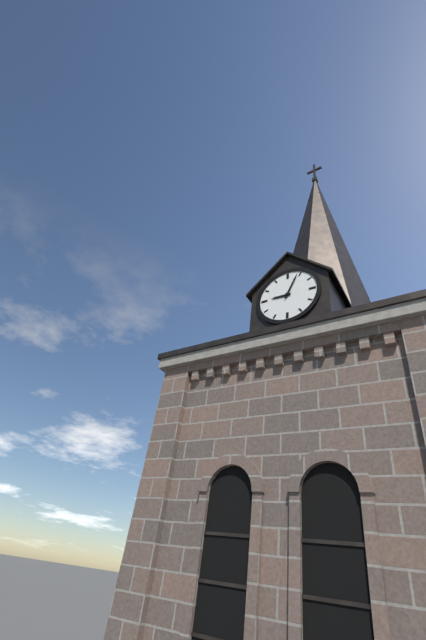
9:04
